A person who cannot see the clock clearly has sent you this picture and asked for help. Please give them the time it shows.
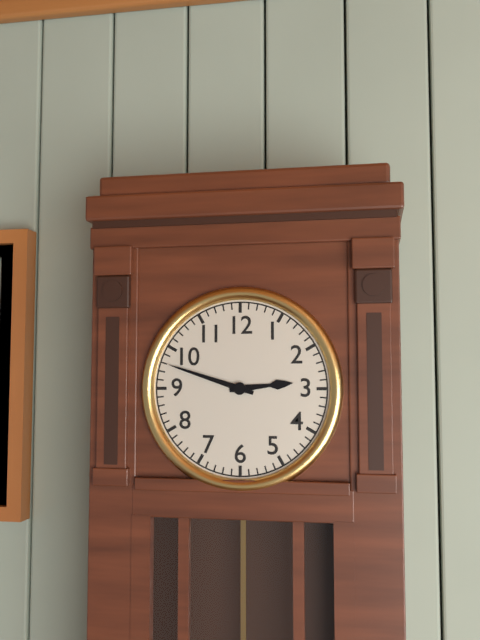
2:48
